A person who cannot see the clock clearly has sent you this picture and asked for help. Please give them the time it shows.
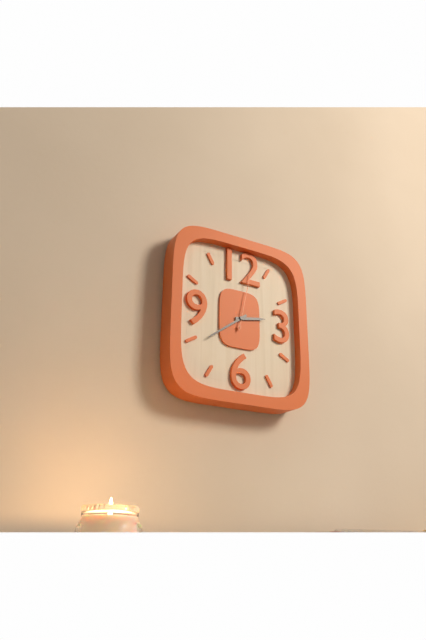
2:39:02
